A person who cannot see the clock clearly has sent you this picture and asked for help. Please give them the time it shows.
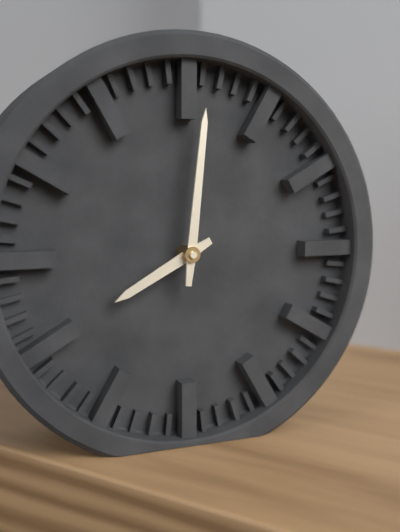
8:01
